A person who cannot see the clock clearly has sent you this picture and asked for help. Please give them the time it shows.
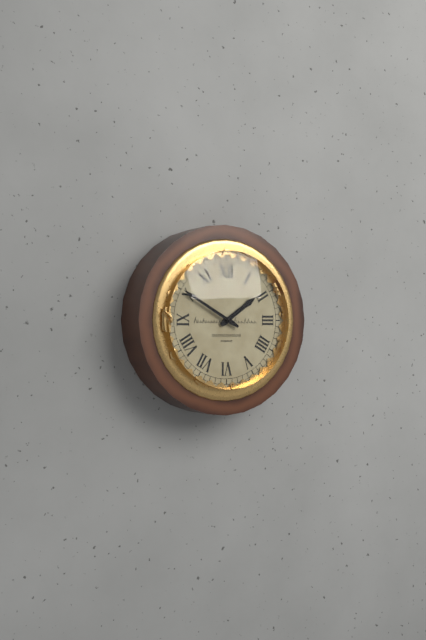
1:50
